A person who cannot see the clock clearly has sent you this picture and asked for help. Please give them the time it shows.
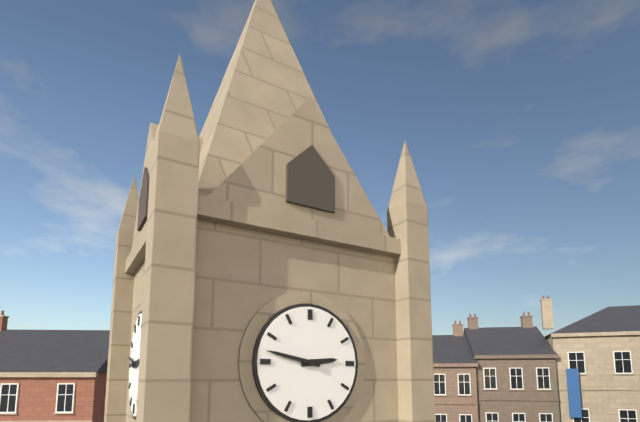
2:47
